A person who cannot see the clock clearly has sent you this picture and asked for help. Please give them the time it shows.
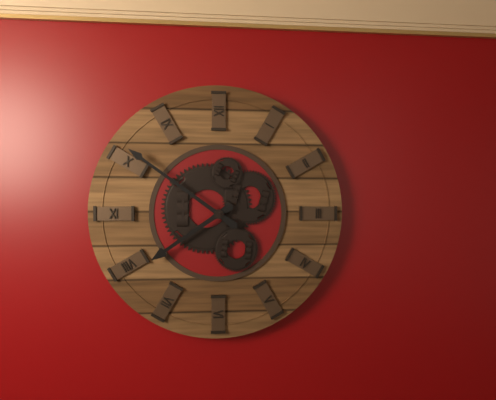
7:51
